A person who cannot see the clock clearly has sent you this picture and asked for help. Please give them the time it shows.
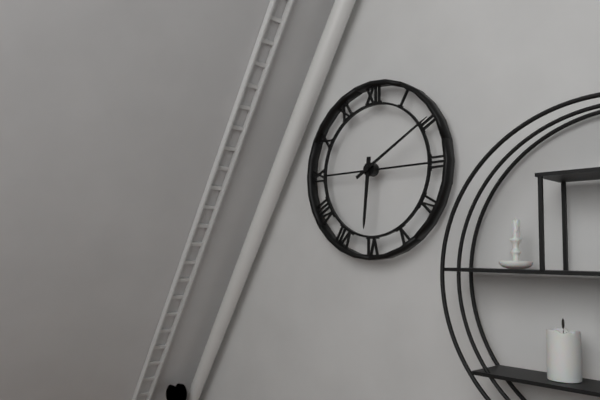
6:10
